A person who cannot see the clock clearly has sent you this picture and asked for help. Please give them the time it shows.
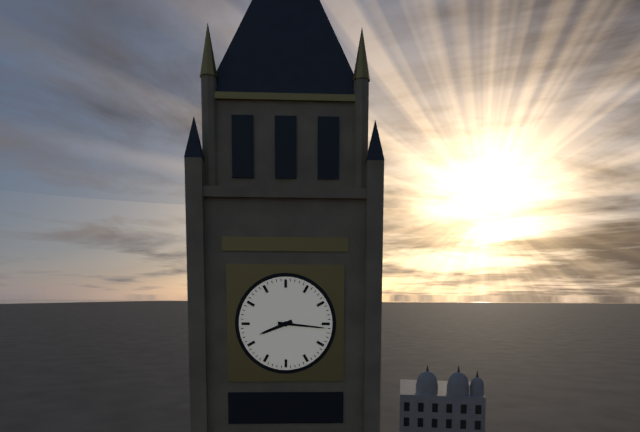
8:16
